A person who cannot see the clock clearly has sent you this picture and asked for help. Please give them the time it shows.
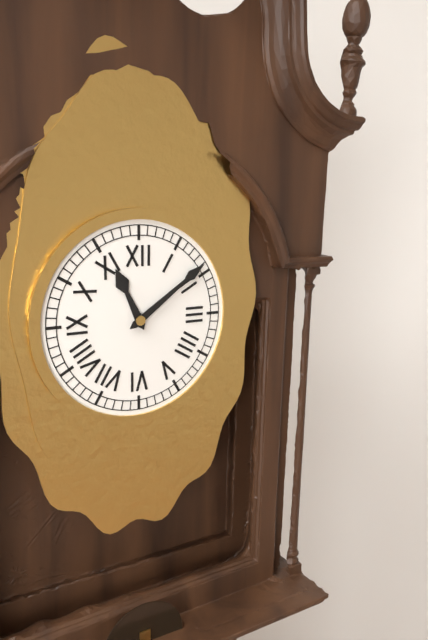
11:09
